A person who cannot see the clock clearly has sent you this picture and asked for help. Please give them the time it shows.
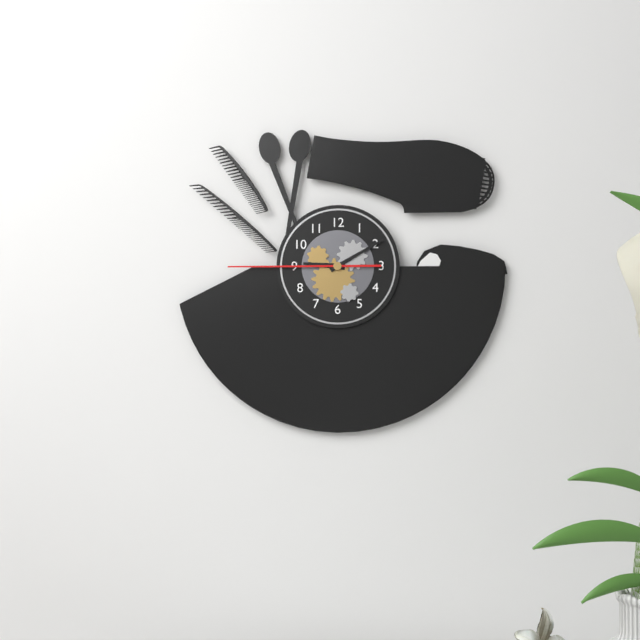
9:10:45
